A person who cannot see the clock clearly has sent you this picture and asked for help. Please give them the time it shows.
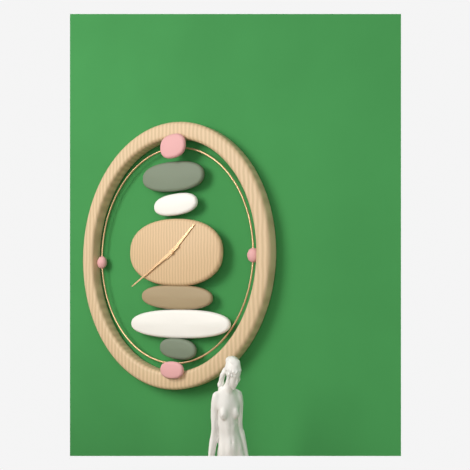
1:40
